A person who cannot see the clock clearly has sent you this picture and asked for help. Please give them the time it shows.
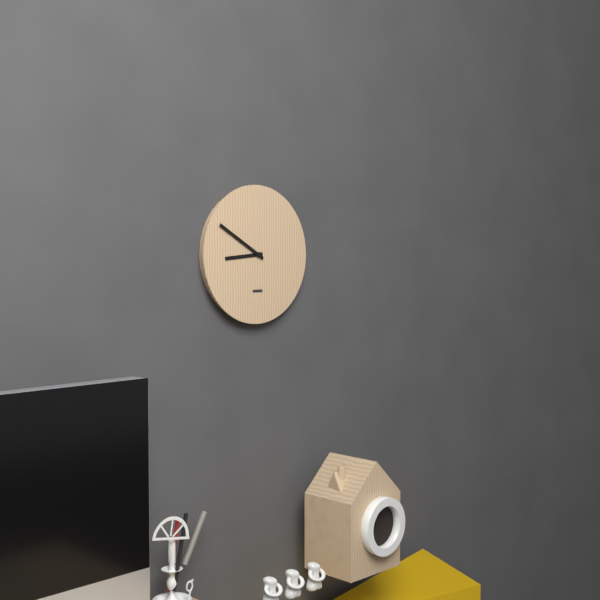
8:50
